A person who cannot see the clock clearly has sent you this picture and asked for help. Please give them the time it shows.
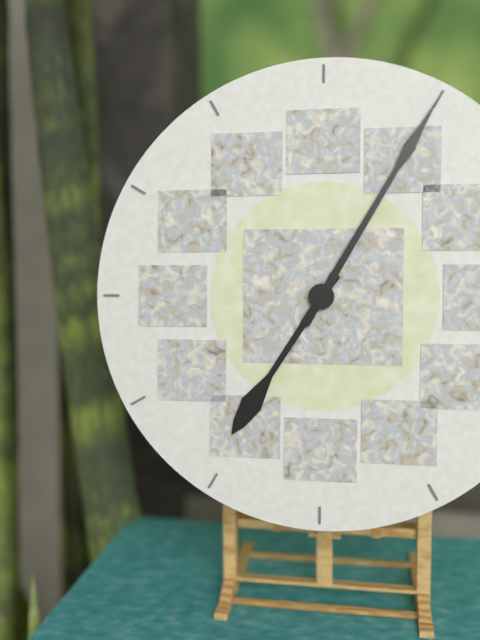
7:05
